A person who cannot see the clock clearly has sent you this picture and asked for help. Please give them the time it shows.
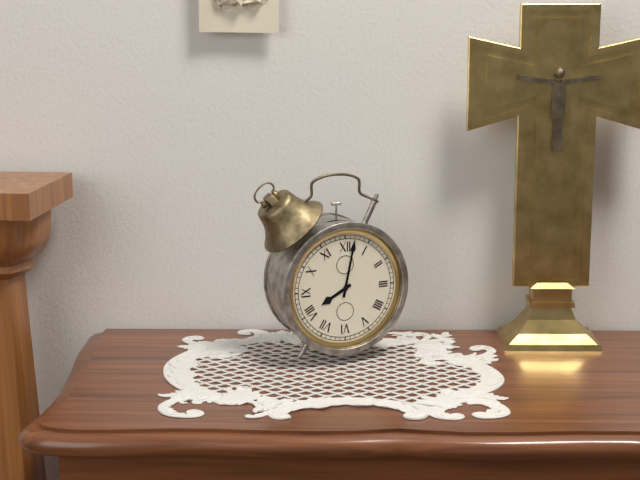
8:02
